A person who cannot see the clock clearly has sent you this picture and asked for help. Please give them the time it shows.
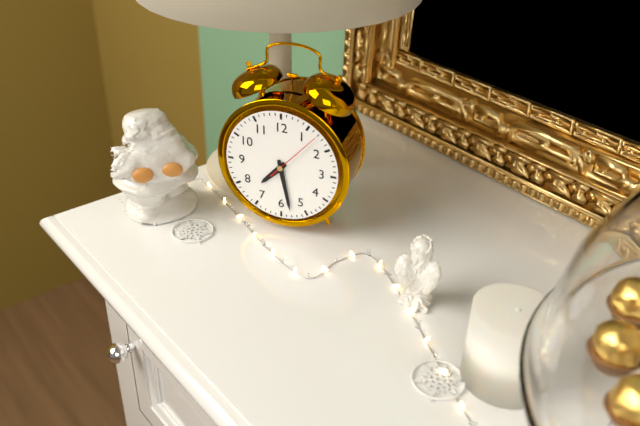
7:28:07
